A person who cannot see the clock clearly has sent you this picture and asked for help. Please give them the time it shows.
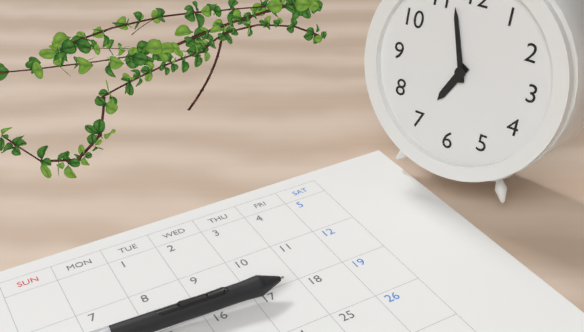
6:57
